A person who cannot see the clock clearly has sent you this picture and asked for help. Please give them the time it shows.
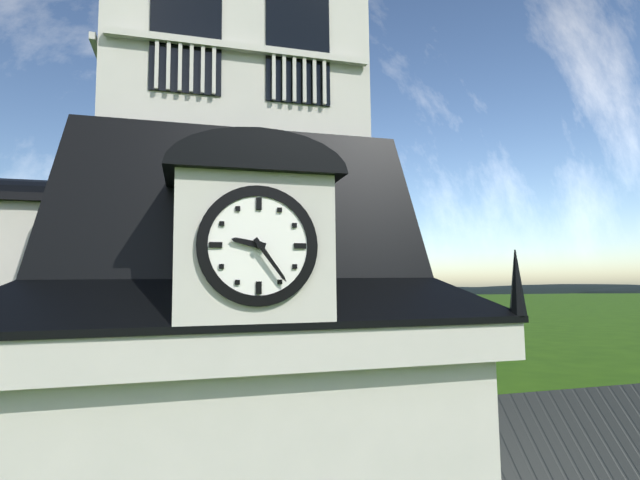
9:24
